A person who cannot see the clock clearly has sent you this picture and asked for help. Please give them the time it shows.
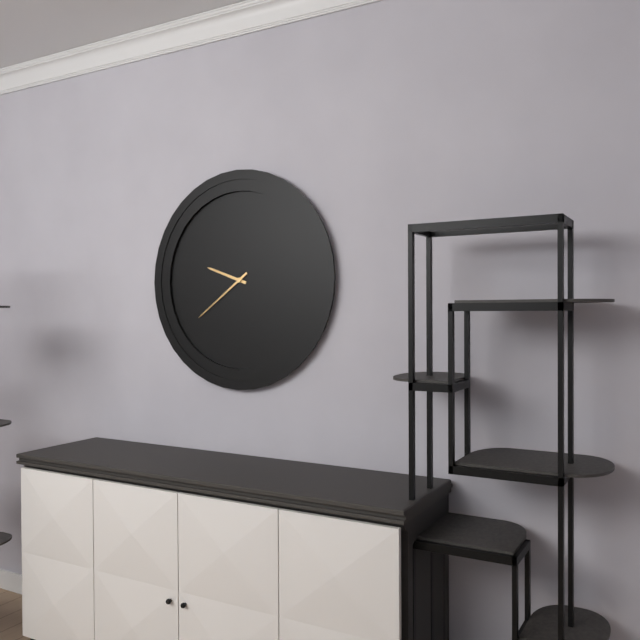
9:39
